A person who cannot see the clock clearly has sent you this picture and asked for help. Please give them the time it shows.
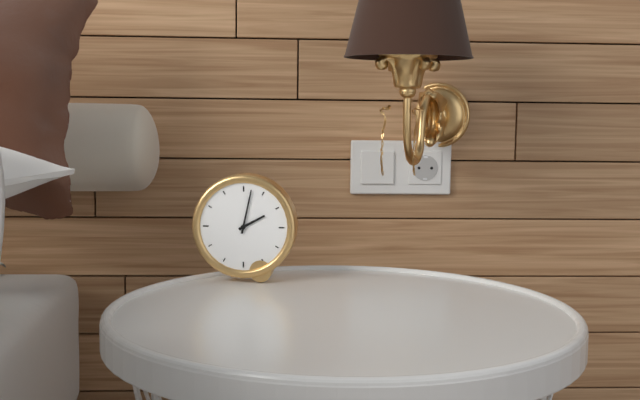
2:02
